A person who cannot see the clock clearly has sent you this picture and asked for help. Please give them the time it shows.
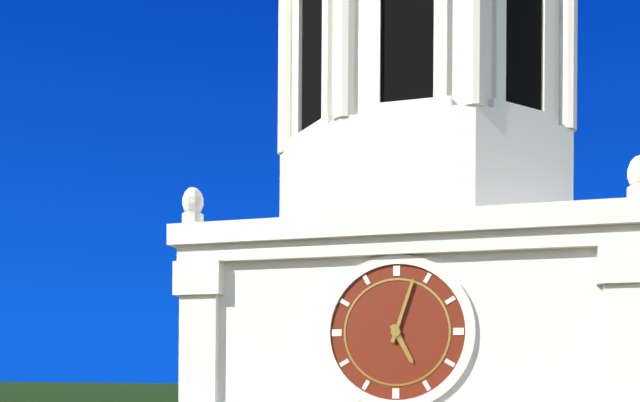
5:03
